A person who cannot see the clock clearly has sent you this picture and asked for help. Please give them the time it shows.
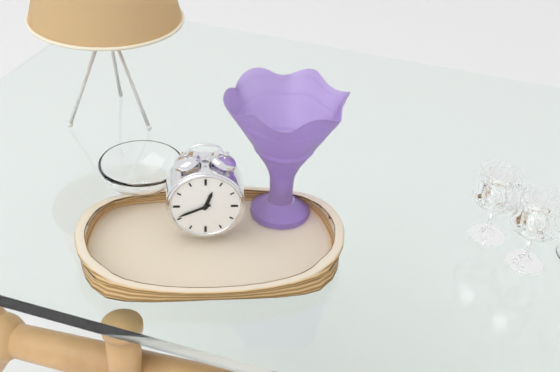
12:41
